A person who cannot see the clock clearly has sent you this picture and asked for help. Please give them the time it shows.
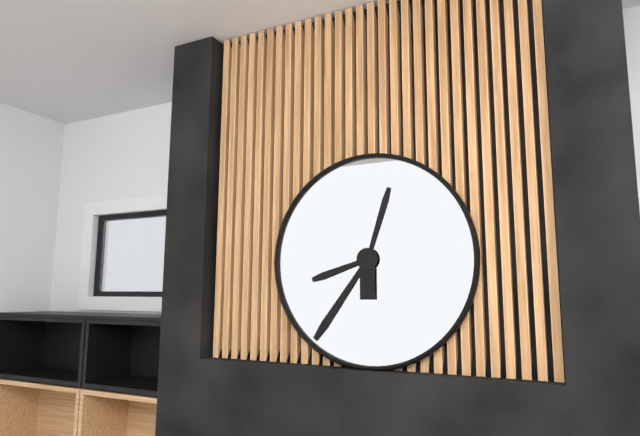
12:36:42
